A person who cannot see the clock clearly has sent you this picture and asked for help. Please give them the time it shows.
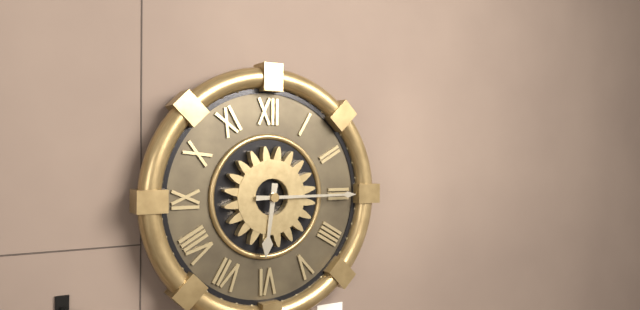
6:15
